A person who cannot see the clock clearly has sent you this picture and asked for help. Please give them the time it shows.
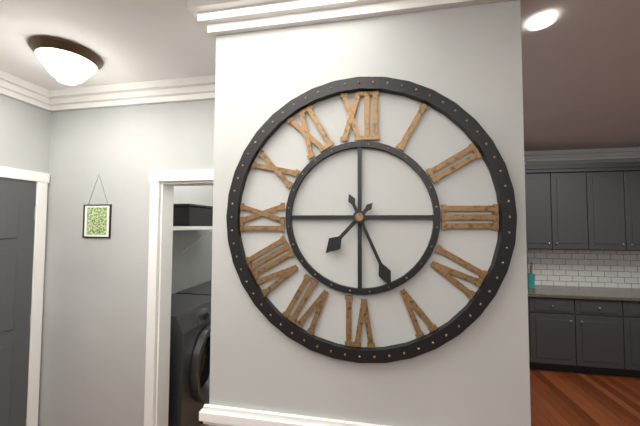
7:26
